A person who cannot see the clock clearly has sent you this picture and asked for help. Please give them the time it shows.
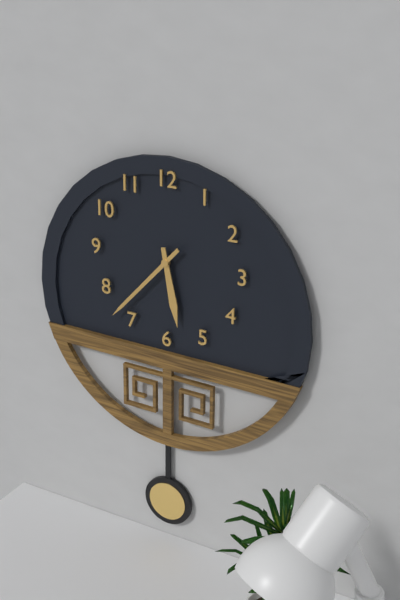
5:37
